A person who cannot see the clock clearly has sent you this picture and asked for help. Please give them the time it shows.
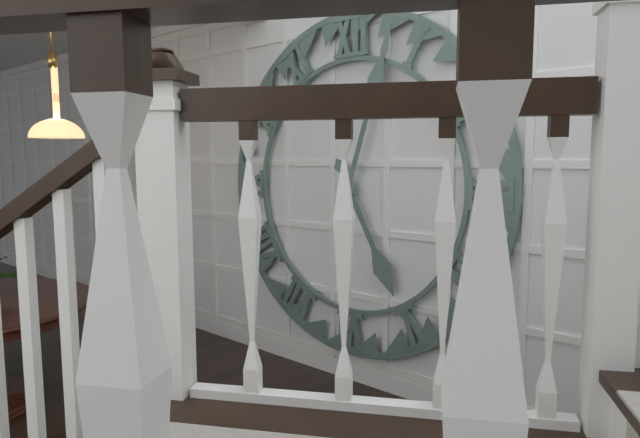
5:03
